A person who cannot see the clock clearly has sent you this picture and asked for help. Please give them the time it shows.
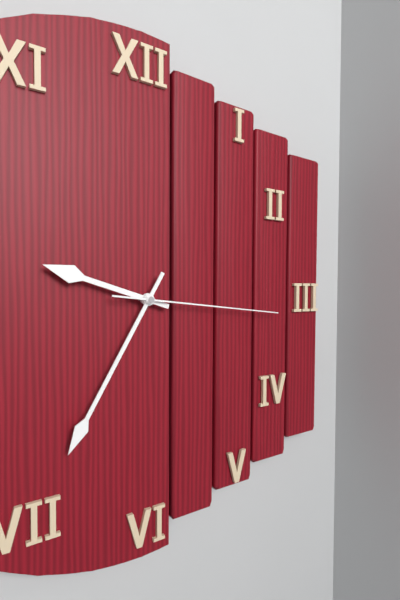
9:35:16
